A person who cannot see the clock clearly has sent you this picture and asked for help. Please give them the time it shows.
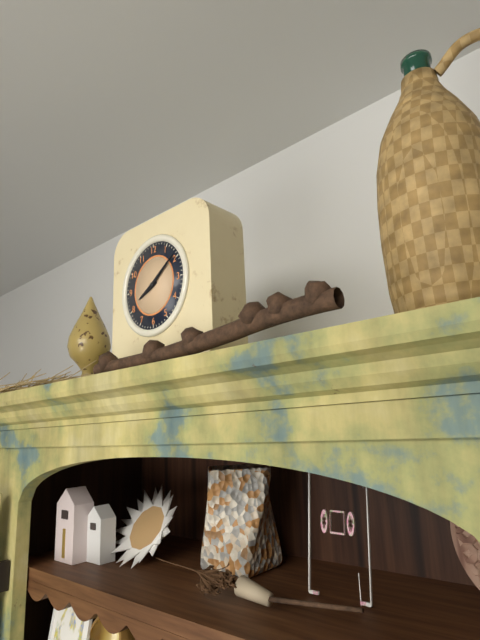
8:09
